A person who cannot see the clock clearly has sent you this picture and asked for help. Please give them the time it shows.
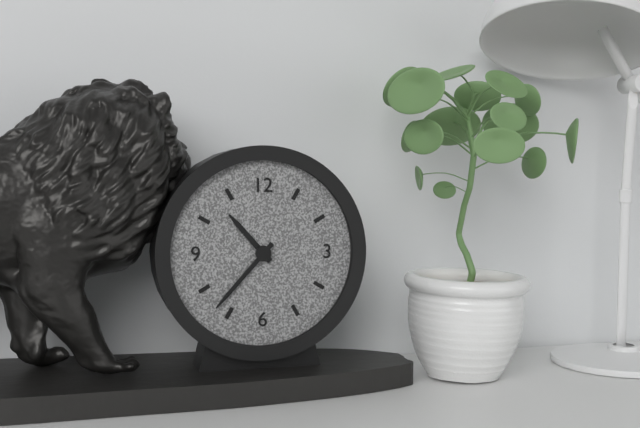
10:37
